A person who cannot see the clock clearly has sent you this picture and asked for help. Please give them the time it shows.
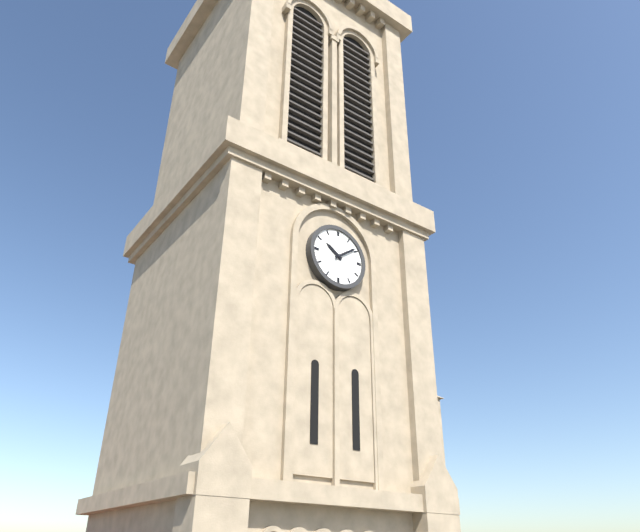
10:09
